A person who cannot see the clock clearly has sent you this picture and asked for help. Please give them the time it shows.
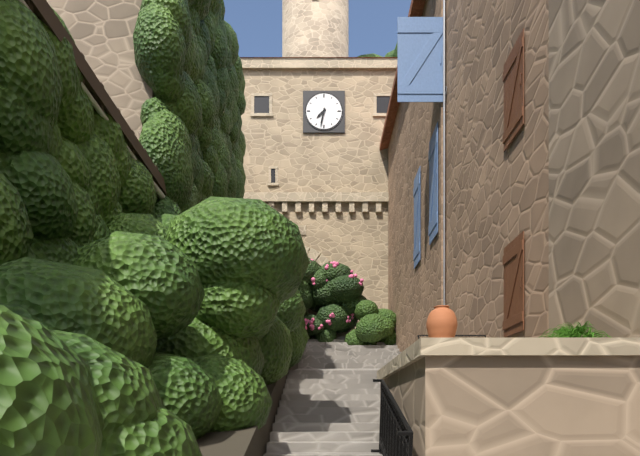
7:32
